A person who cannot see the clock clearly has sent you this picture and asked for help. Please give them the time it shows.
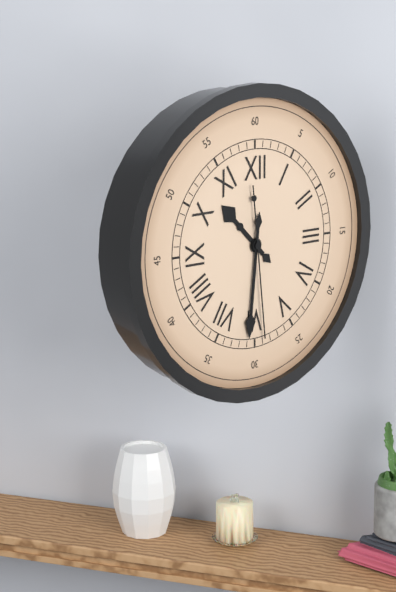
10:31:29
